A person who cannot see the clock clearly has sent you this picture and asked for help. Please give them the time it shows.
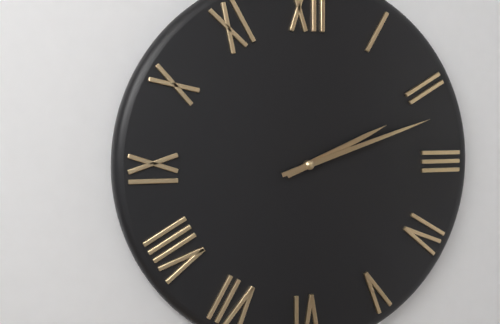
2:12
